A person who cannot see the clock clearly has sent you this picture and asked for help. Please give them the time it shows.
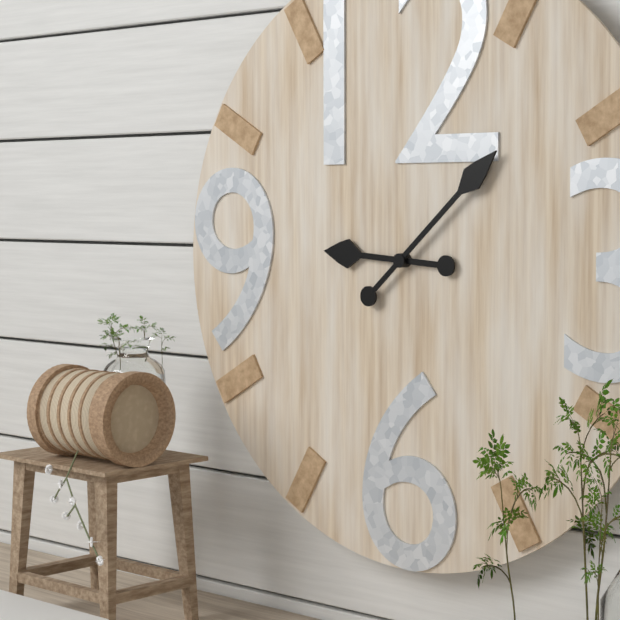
9:08
